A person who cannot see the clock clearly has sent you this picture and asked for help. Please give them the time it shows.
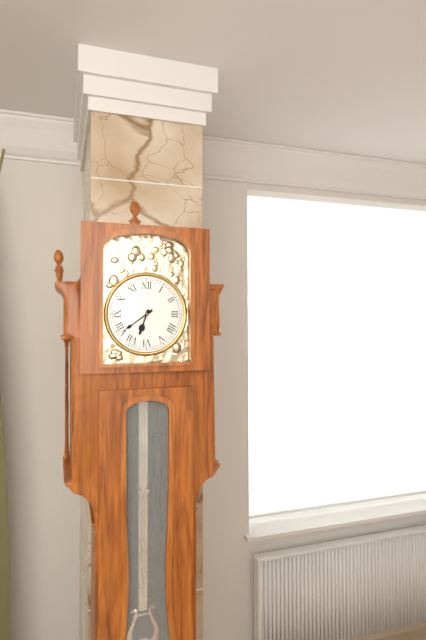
6:39
